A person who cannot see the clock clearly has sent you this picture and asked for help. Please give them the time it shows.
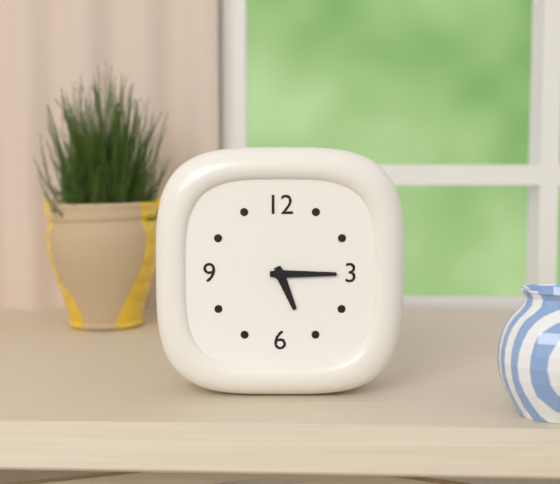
5:15
